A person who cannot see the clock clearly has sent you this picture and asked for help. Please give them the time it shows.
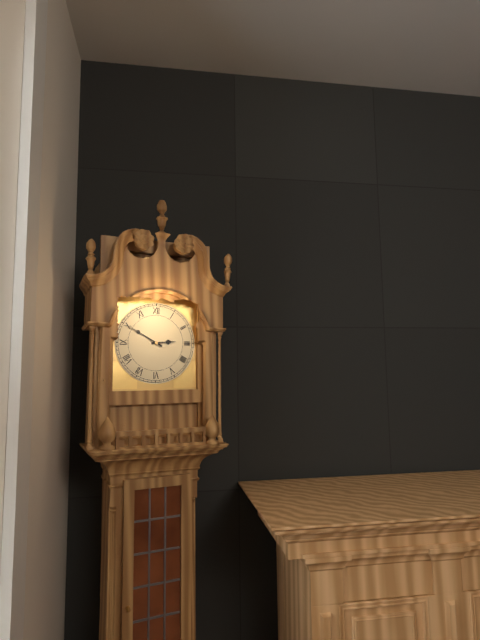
2:50
